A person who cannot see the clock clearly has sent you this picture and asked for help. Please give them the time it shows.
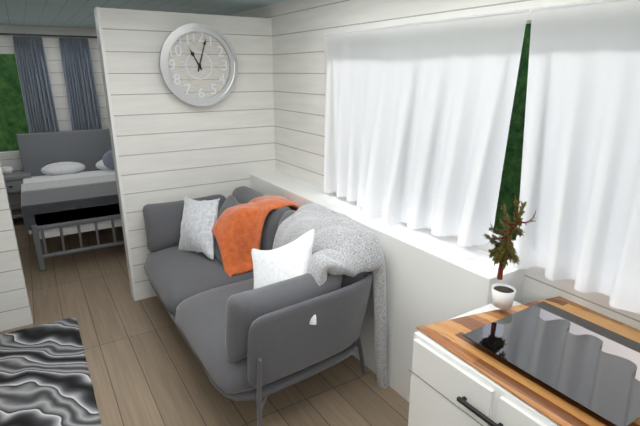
11:03
